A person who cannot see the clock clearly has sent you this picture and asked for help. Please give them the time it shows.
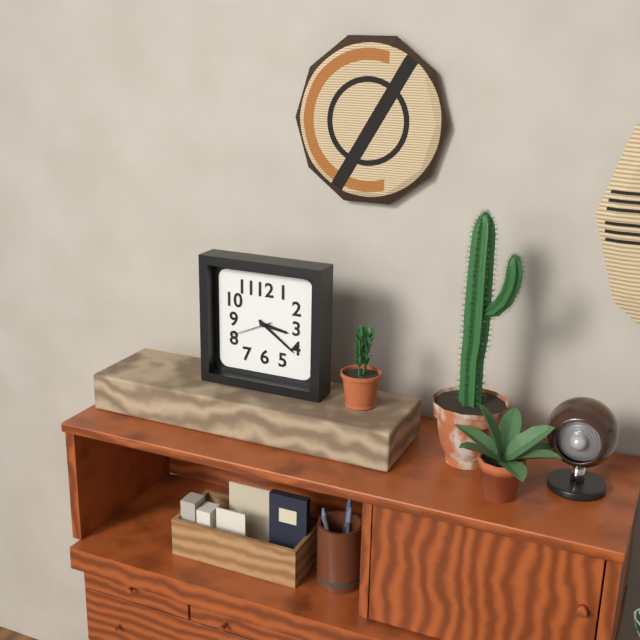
3:21
